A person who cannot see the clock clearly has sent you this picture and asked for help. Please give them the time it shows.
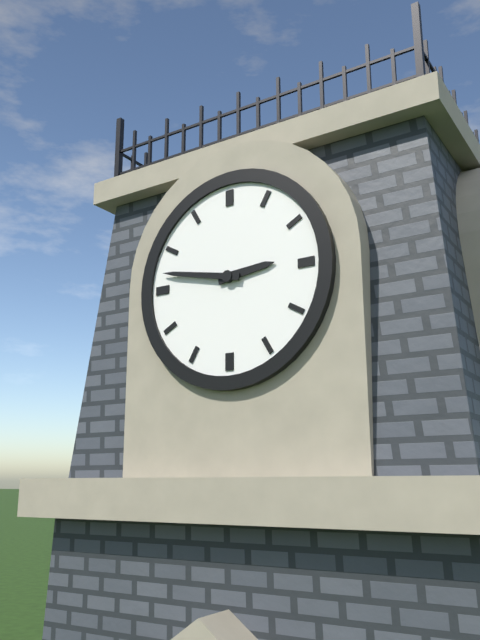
2:47
